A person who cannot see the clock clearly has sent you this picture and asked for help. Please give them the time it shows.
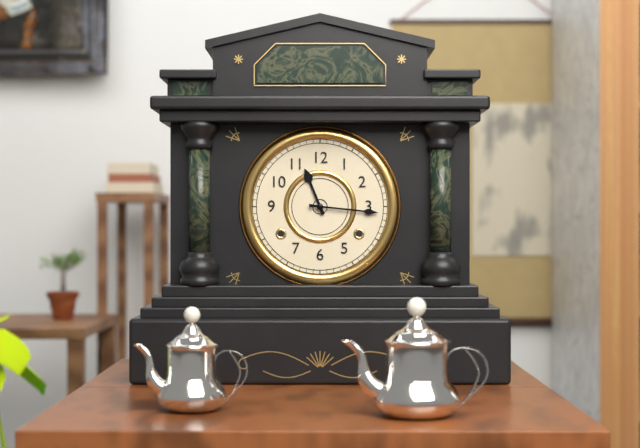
11:16
